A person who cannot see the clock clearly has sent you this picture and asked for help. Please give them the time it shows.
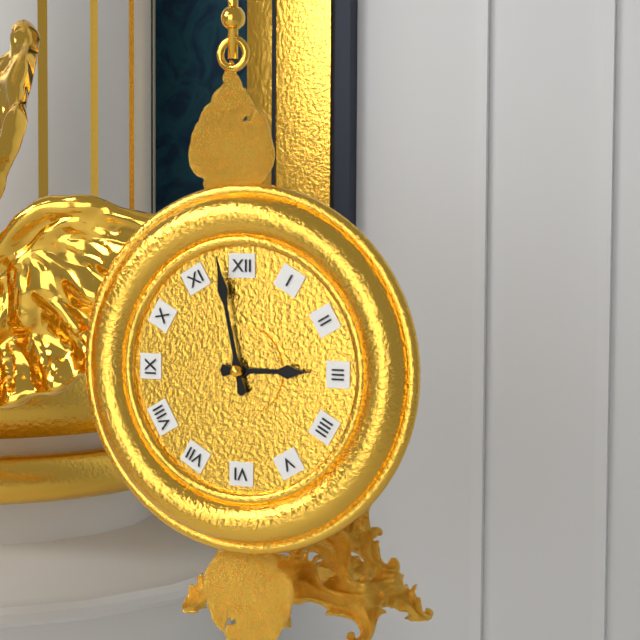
2:58
